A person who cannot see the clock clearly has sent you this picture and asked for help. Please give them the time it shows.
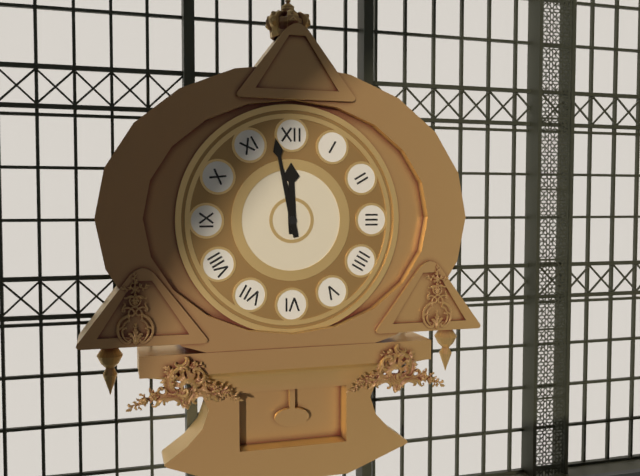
11:58
